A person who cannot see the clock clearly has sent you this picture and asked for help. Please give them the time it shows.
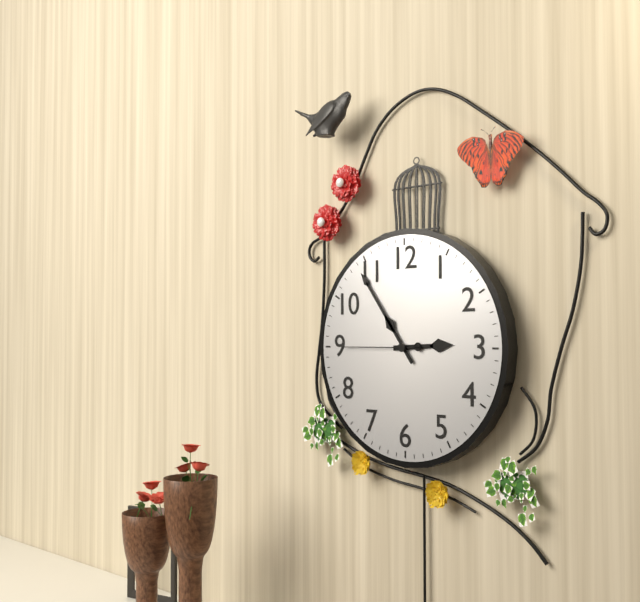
2:54:45
